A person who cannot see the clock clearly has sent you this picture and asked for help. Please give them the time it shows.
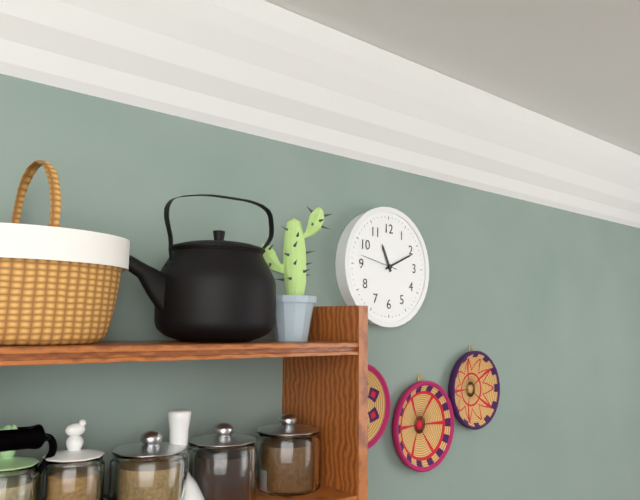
11:11
